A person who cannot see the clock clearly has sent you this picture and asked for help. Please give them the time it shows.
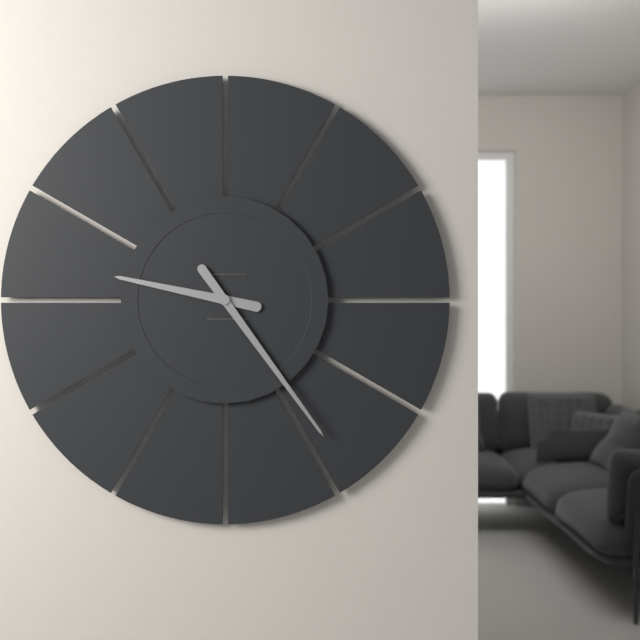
9:24
